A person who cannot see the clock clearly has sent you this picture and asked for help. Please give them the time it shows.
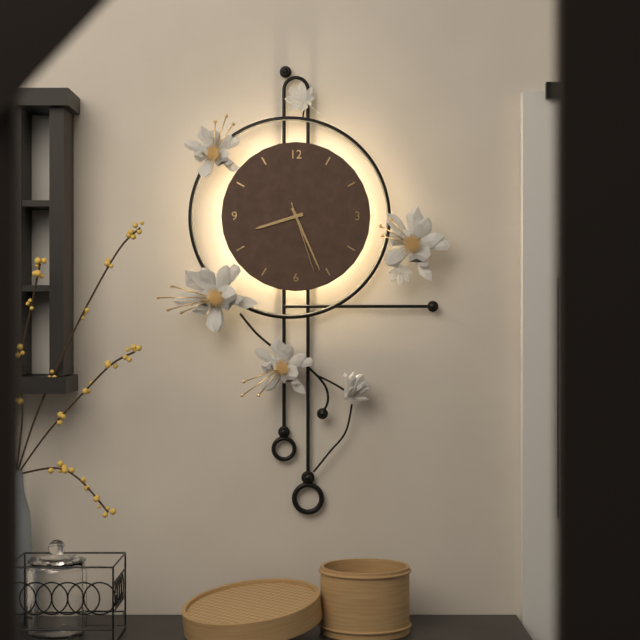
8:26:27
